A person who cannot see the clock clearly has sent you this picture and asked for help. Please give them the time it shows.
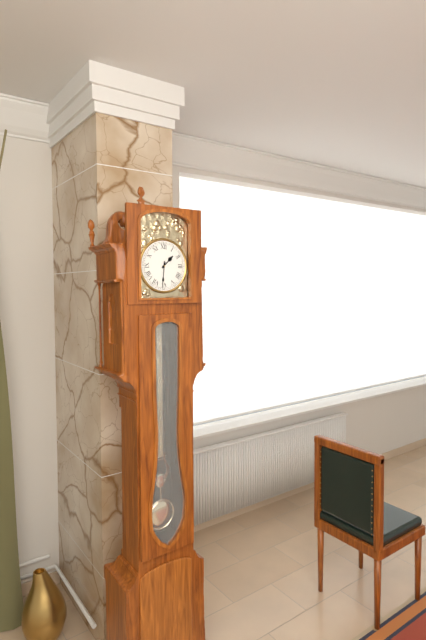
1:31
